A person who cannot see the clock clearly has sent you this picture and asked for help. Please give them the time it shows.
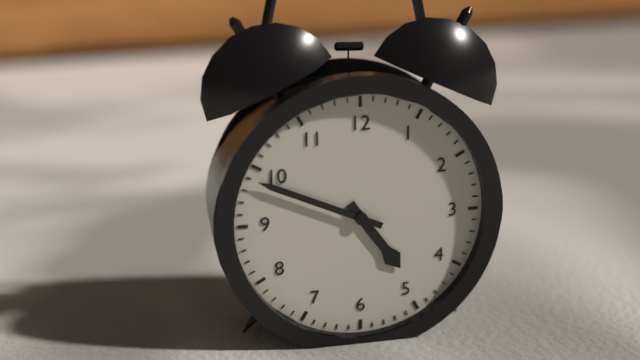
4:49
